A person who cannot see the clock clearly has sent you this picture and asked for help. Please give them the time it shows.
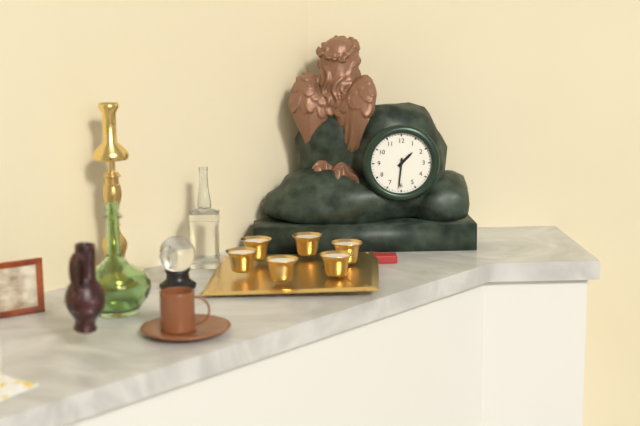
1:31
